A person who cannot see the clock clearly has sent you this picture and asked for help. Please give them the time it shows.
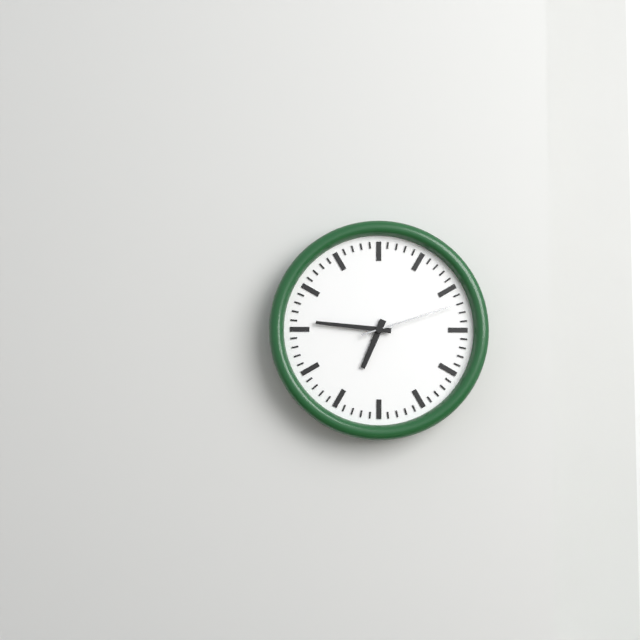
6:46:12
